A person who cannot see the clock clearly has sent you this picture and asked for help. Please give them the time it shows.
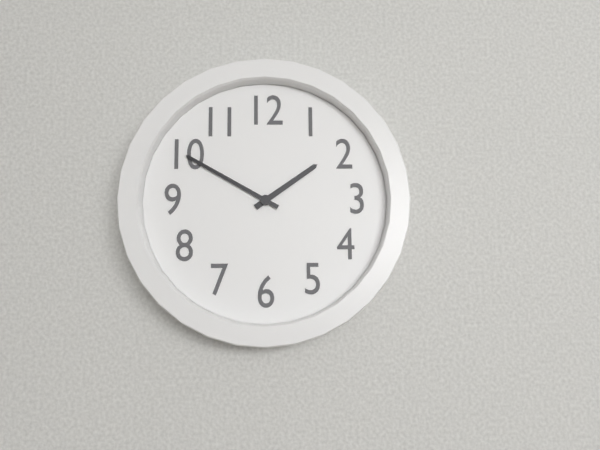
1:50
